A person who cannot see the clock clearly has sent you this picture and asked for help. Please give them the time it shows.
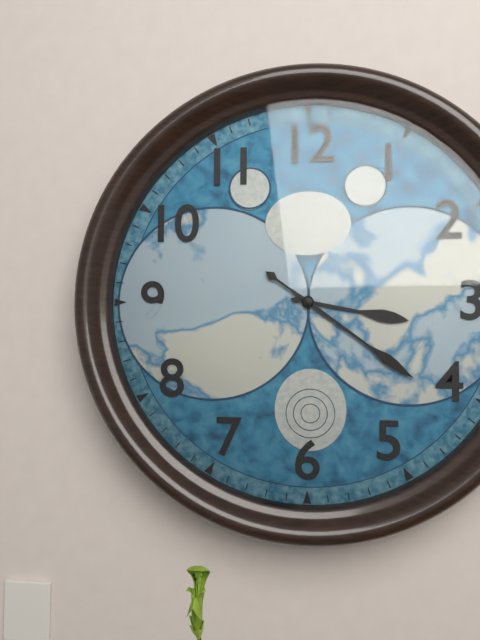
3:21
